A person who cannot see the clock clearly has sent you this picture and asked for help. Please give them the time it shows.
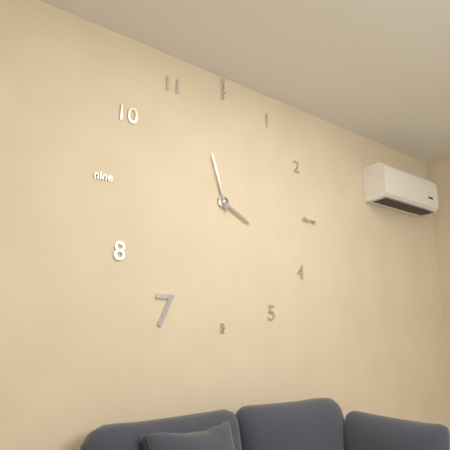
3:57
